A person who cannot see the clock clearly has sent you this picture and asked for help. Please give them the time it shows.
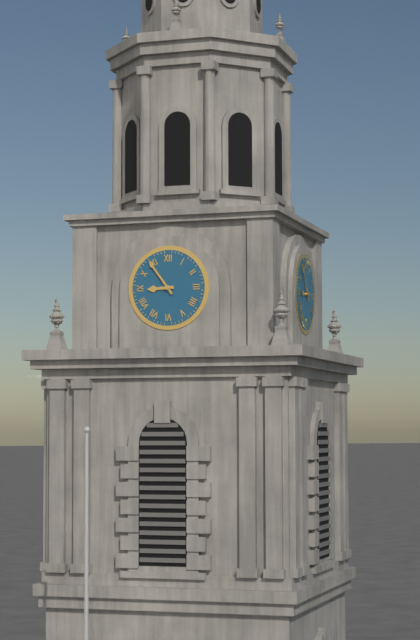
8:54
